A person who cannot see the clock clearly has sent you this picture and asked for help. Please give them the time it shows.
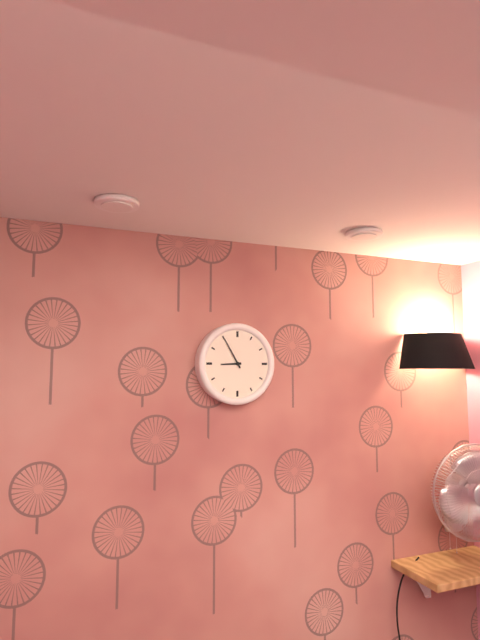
8:55
